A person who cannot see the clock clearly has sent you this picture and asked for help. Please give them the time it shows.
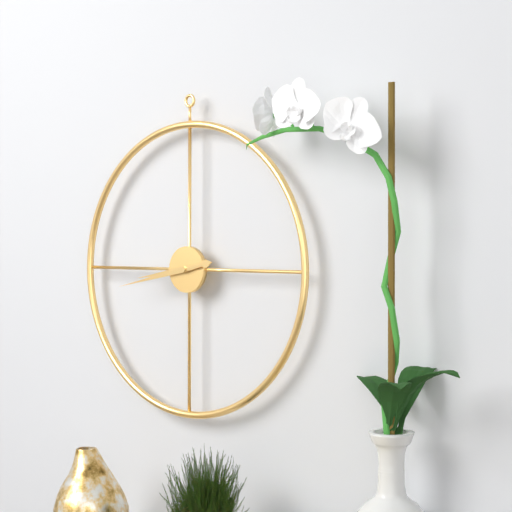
8:43
